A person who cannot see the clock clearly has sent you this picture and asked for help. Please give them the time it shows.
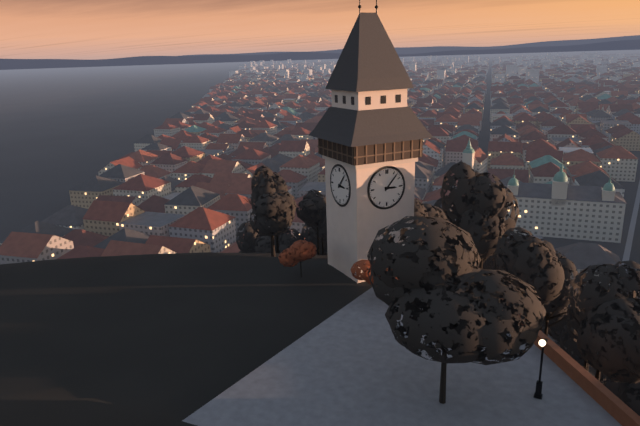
3:07
